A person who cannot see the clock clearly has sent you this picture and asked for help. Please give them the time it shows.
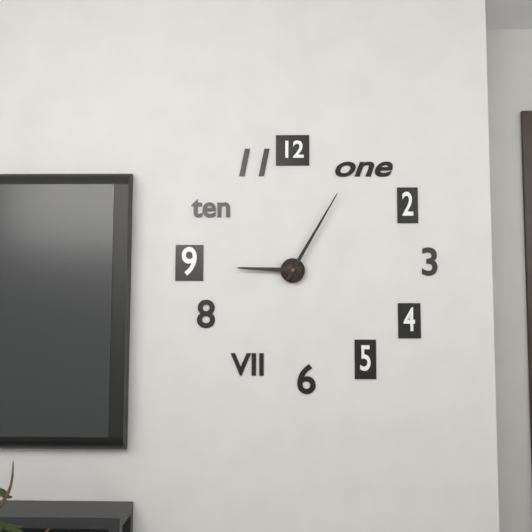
9:05
